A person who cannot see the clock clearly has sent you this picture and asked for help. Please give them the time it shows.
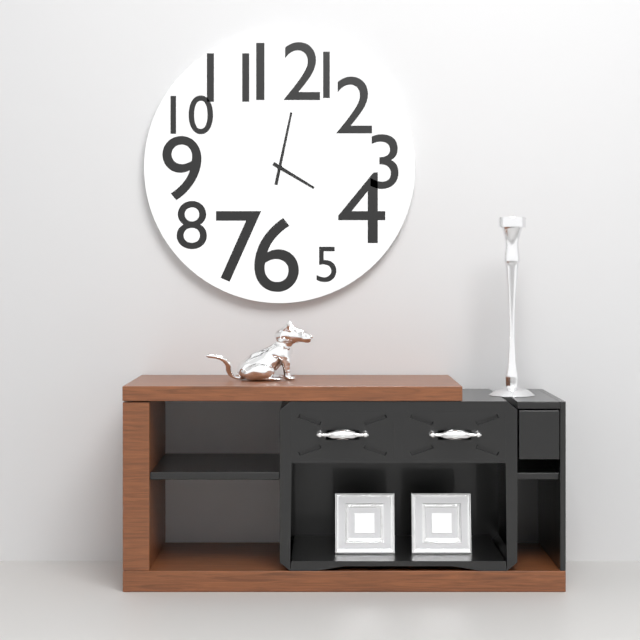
4:02
